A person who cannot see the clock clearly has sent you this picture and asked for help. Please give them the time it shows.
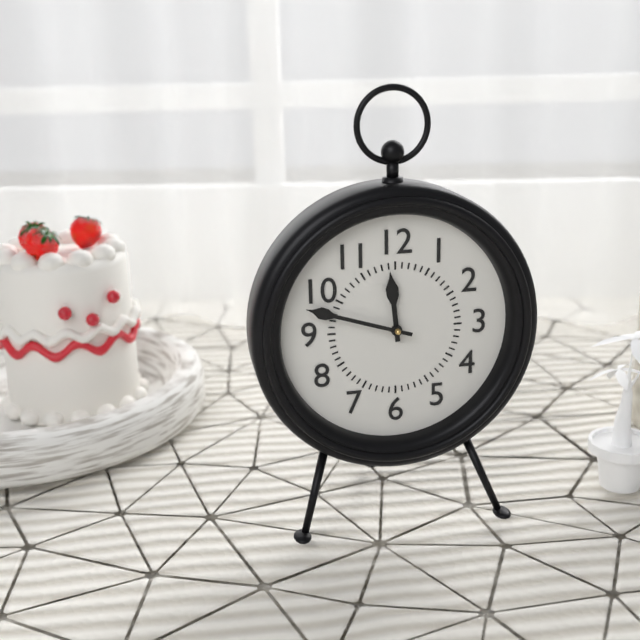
11:48
